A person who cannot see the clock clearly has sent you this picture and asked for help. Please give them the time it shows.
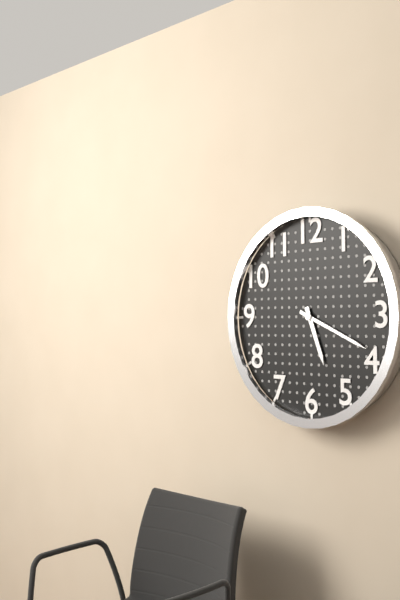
5:19
